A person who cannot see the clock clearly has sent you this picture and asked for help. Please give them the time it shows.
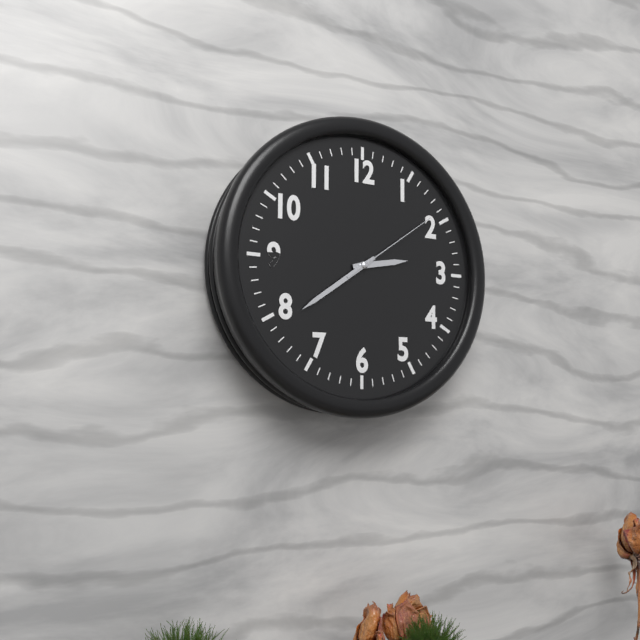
2:39:09
